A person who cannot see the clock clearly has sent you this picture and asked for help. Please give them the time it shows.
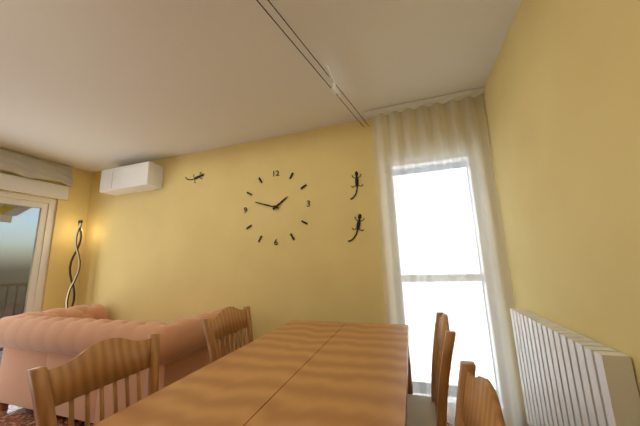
1:48
